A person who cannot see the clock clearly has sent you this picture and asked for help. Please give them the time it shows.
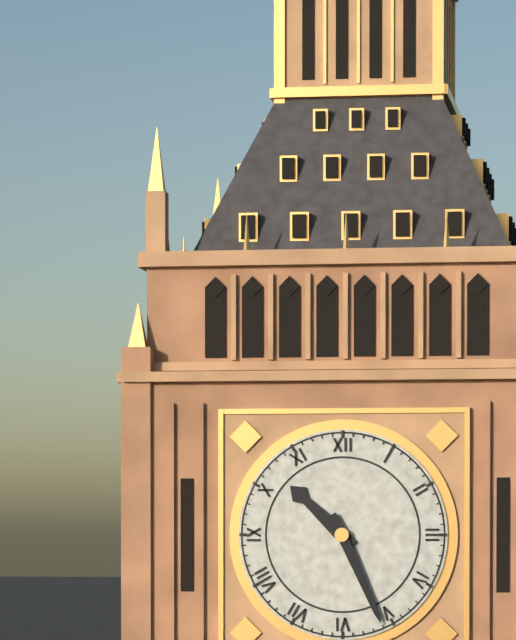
10:26
